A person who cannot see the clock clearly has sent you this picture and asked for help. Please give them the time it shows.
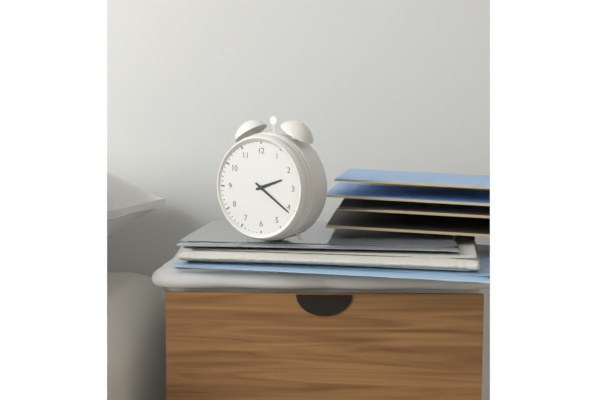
2:21
